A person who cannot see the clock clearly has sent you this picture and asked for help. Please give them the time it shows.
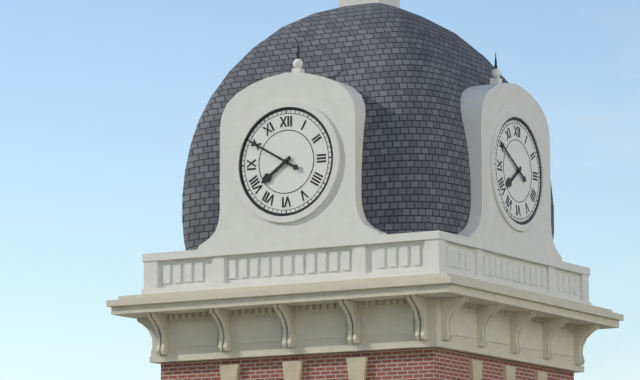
7:50
